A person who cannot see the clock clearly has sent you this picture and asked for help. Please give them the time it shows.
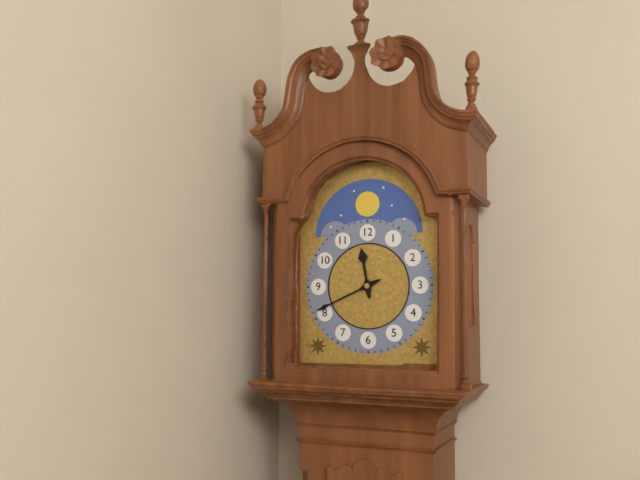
11:41
